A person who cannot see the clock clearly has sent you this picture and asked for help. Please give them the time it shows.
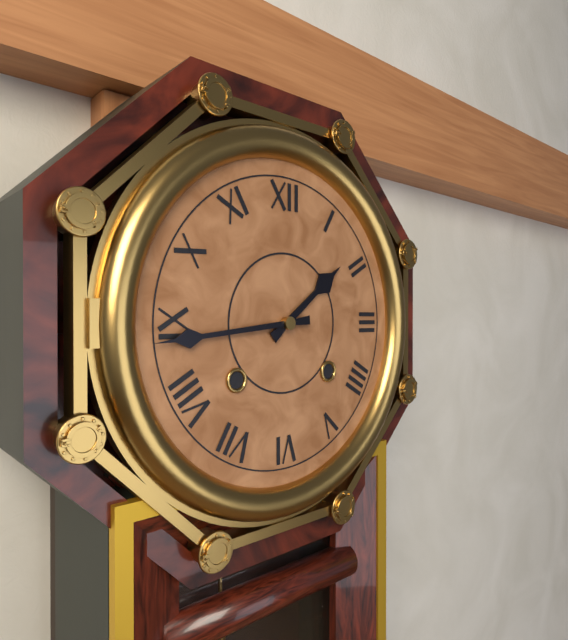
1:44
